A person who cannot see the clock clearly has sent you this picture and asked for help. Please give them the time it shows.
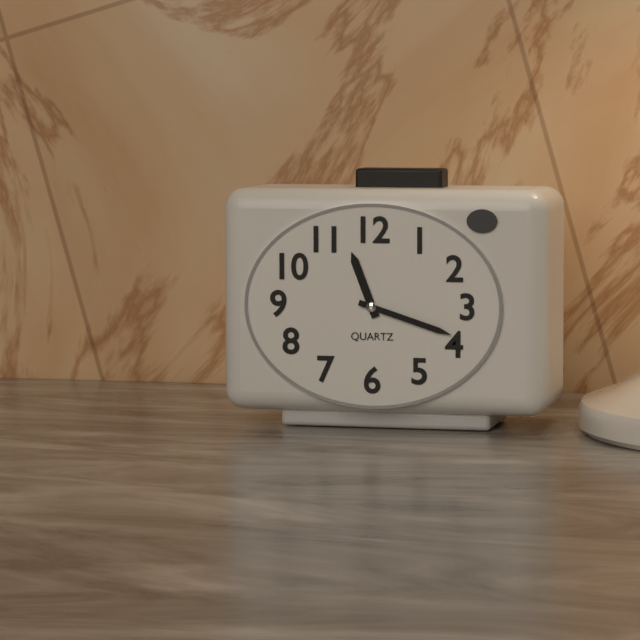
11:18
